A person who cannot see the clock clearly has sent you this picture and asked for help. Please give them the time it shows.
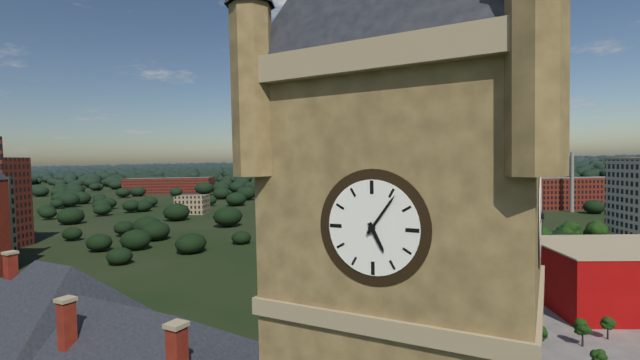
5:06
